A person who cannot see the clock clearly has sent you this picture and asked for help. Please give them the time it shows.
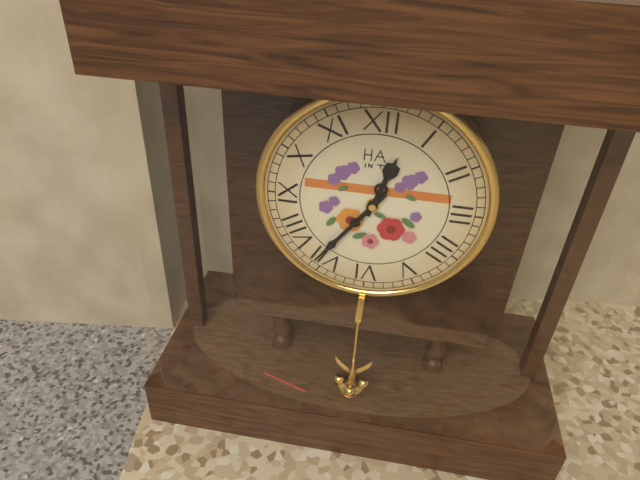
12:36
